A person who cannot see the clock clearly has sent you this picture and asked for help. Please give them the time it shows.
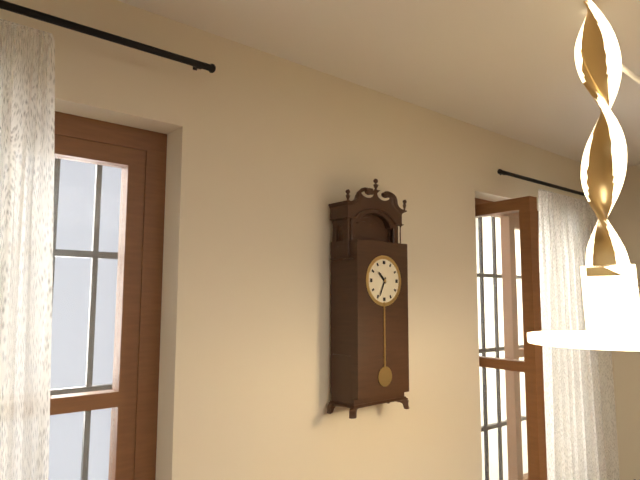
10:34
